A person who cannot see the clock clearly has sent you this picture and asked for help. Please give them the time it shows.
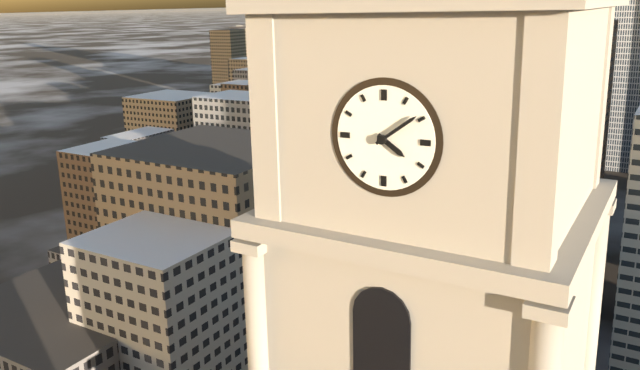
4:09
